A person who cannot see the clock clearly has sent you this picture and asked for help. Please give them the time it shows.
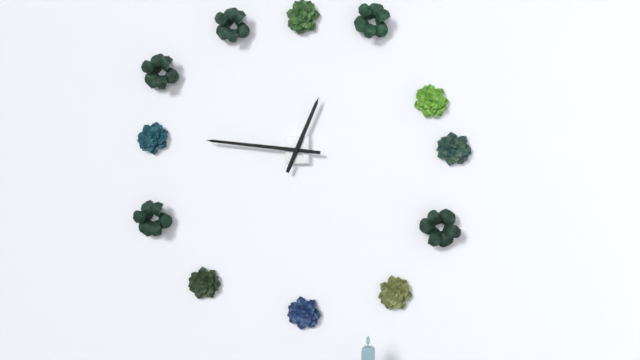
12:46
